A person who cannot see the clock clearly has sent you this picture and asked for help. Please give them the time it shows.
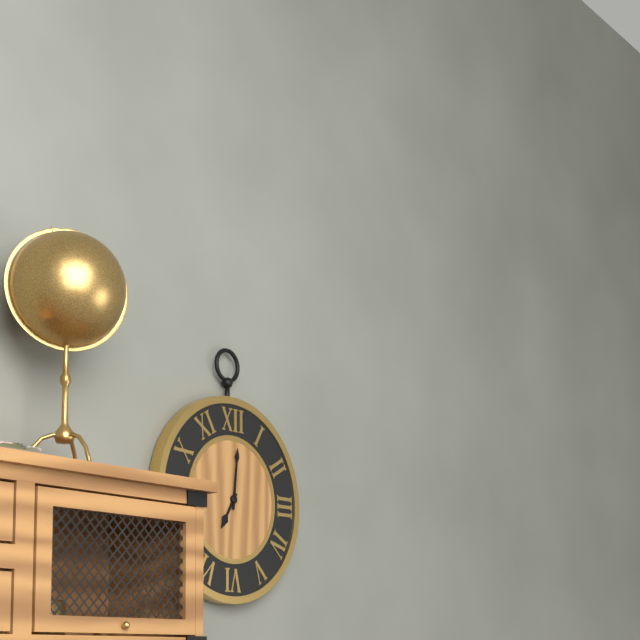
7:01
